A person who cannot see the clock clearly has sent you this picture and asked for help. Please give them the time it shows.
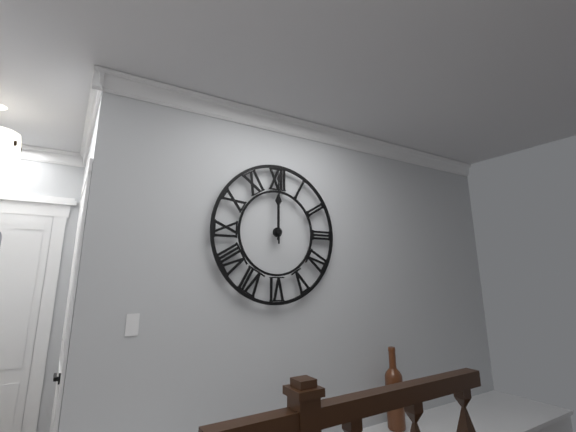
12:00
